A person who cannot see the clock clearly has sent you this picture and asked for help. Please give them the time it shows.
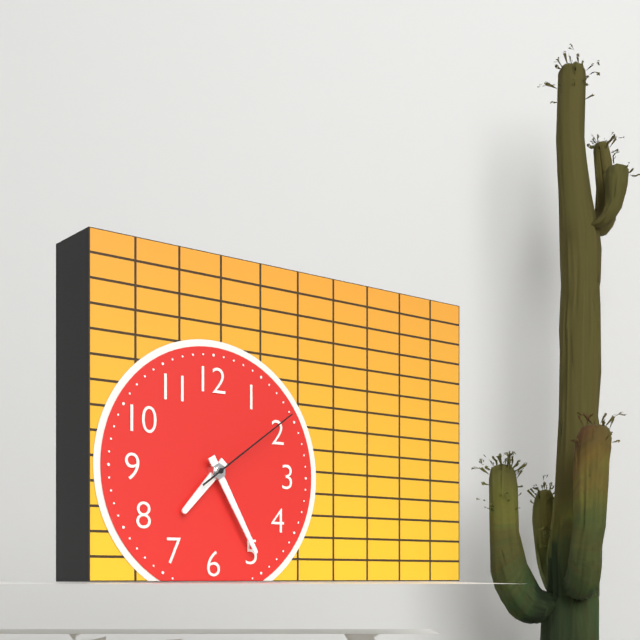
7:25:09
